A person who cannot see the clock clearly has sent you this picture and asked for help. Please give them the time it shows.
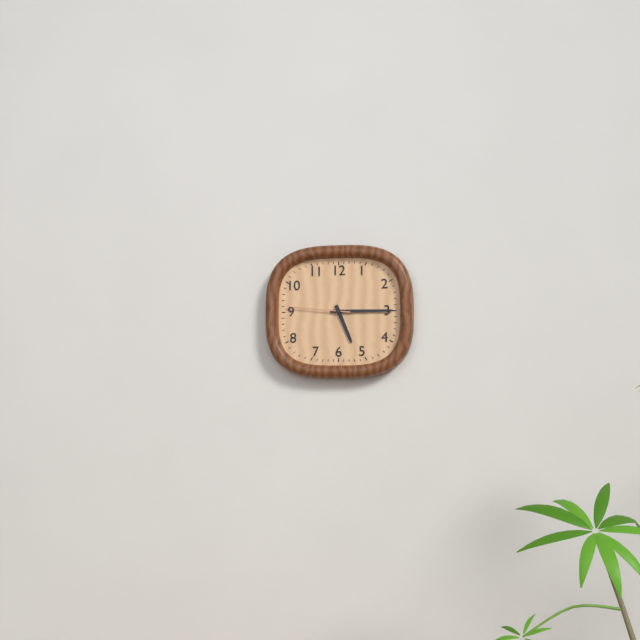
5:15:46
